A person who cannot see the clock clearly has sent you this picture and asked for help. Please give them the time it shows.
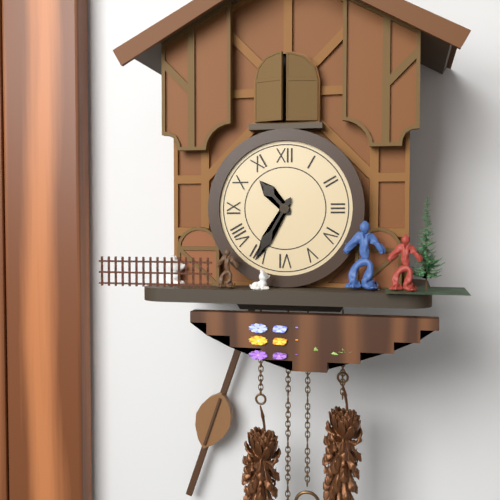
10:35
